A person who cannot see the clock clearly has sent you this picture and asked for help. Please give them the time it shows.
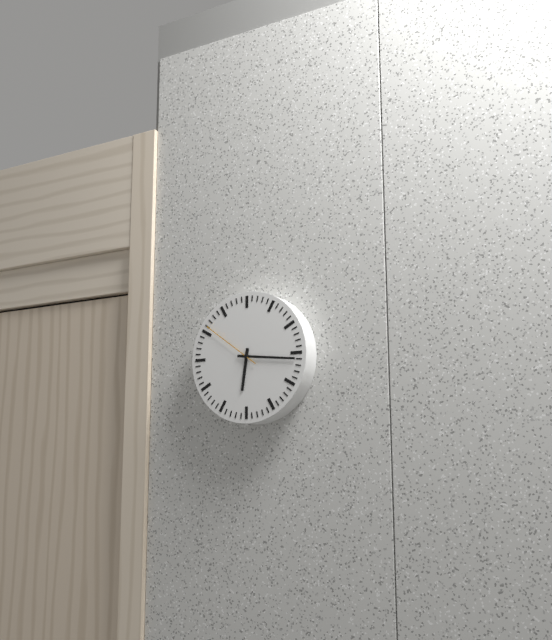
6:16:51
